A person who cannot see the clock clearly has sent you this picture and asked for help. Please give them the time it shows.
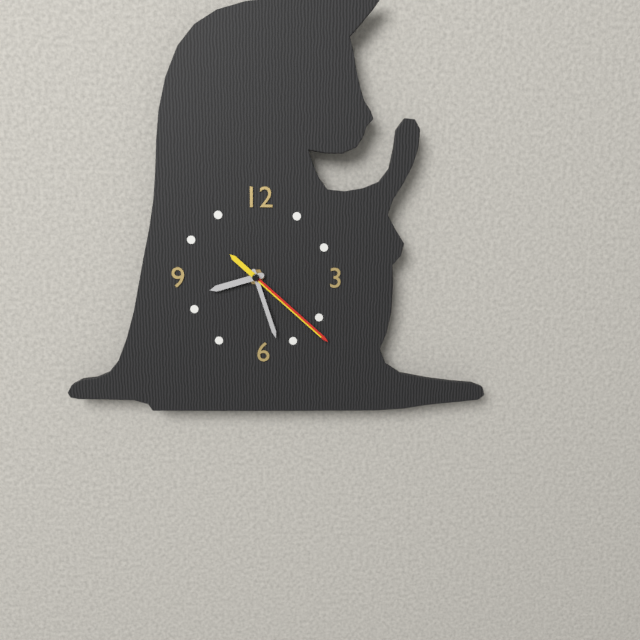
8:27:22
